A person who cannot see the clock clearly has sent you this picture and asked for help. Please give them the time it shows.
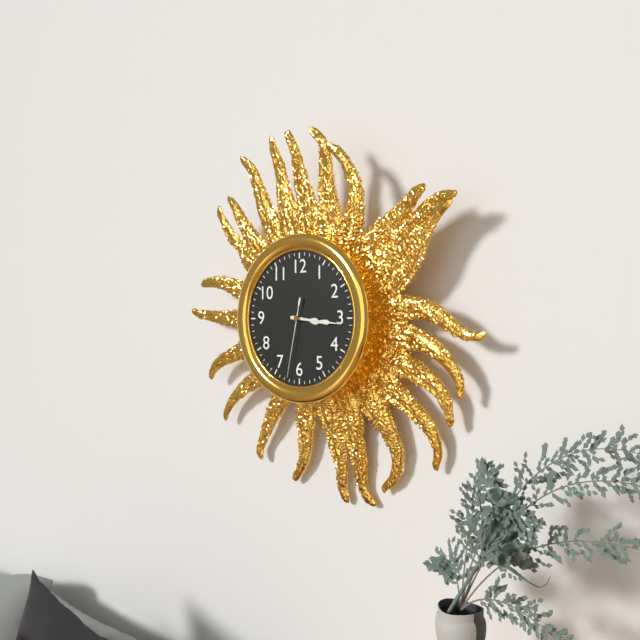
3:16:32
